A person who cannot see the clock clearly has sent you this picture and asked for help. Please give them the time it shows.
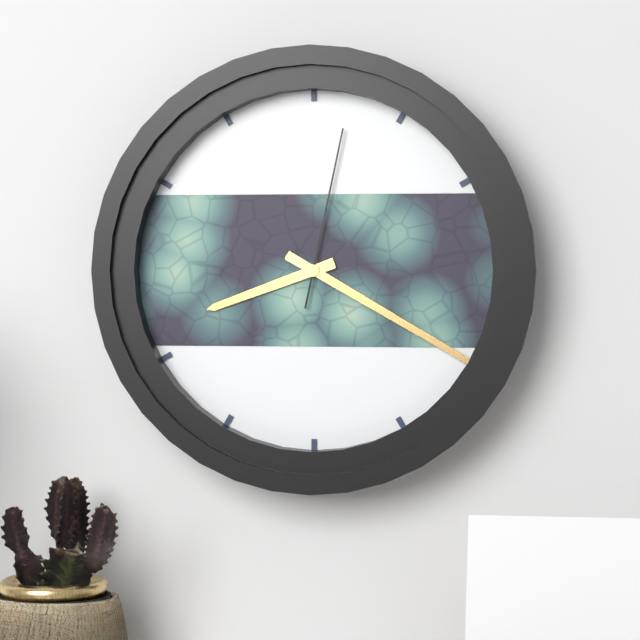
8:20:02
